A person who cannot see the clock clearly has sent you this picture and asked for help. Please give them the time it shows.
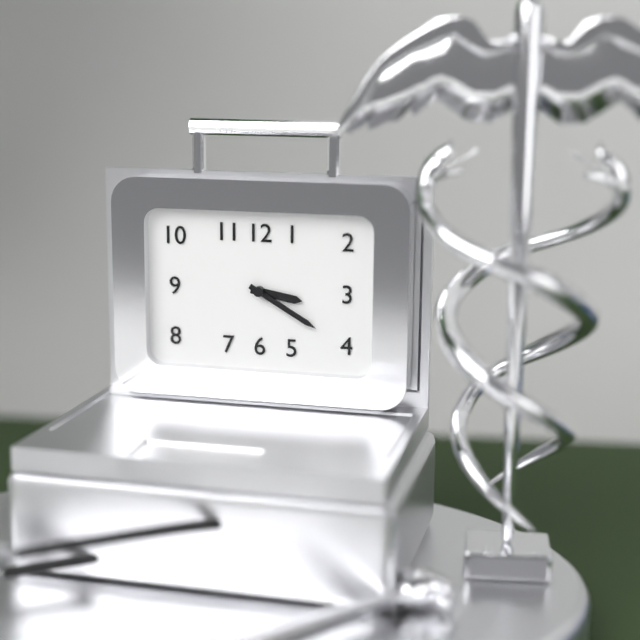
3:20
